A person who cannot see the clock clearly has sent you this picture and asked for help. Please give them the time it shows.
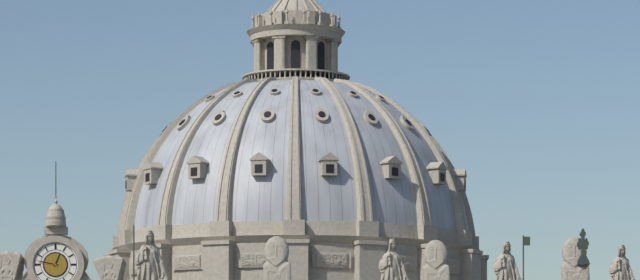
12:47
